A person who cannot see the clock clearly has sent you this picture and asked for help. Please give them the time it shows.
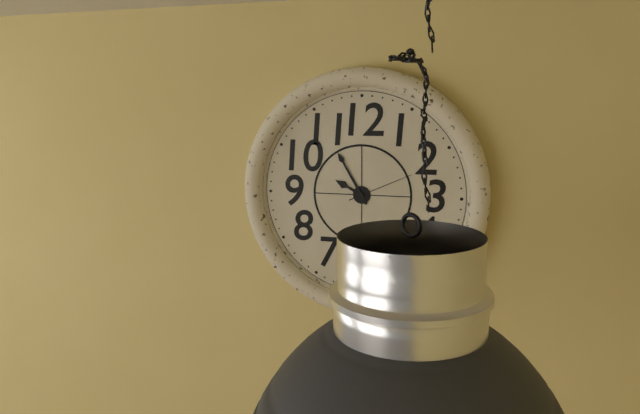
9:55:11
